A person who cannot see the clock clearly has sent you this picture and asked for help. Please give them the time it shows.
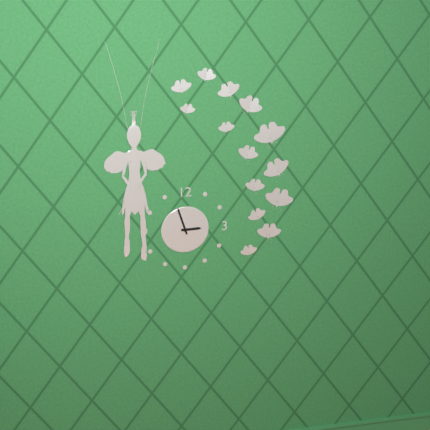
2:57
